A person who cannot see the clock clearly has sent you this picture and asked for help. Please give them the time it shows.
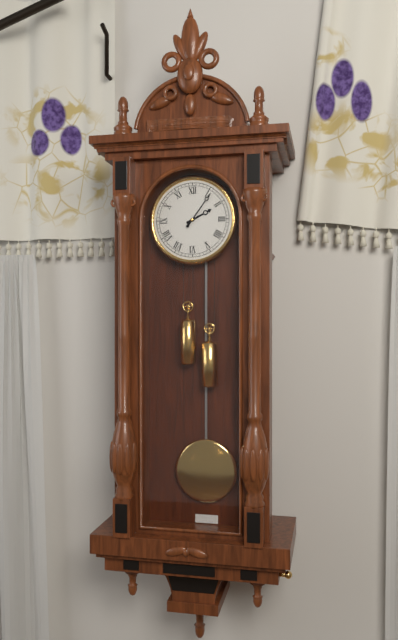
2:06
